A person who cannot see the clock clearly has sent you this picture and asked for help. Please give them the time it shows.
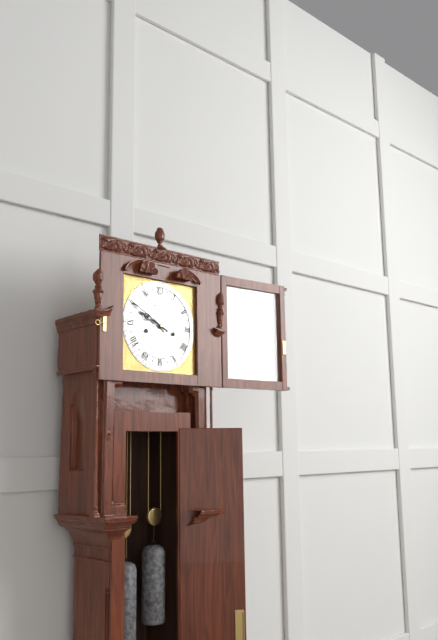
9:50
